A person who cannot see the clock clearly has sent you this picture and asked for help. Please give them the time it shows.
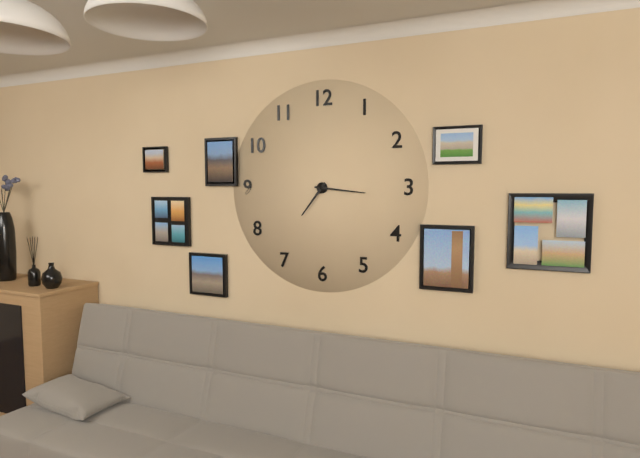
7:16
